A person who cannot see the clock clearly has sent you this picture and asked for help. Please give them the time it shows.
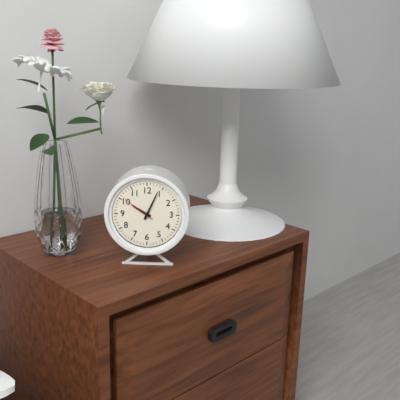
10:04
